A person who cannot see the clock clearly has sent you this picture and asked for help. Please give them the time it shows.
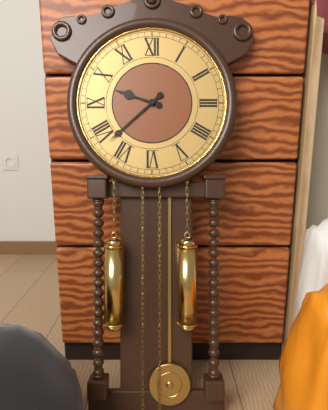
9:38
